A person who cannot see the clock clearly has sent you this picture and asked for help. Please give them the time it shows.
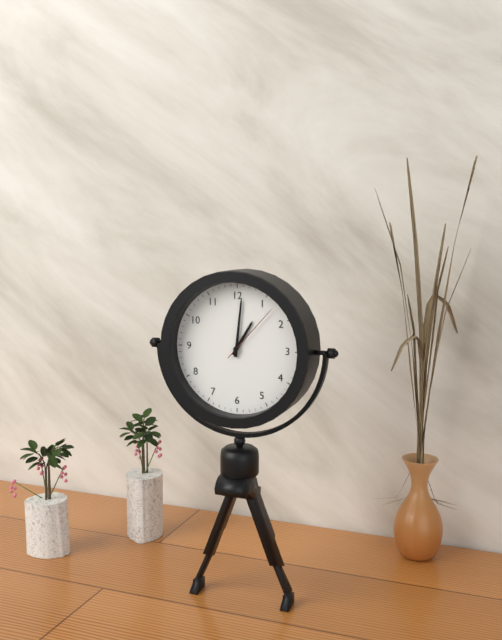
1:01:07
